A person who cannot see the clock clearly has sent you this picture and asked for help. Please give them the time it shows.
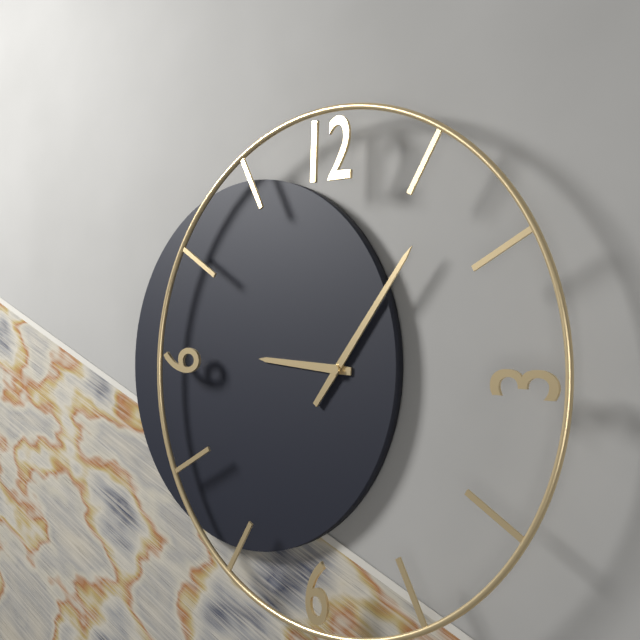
9:06
